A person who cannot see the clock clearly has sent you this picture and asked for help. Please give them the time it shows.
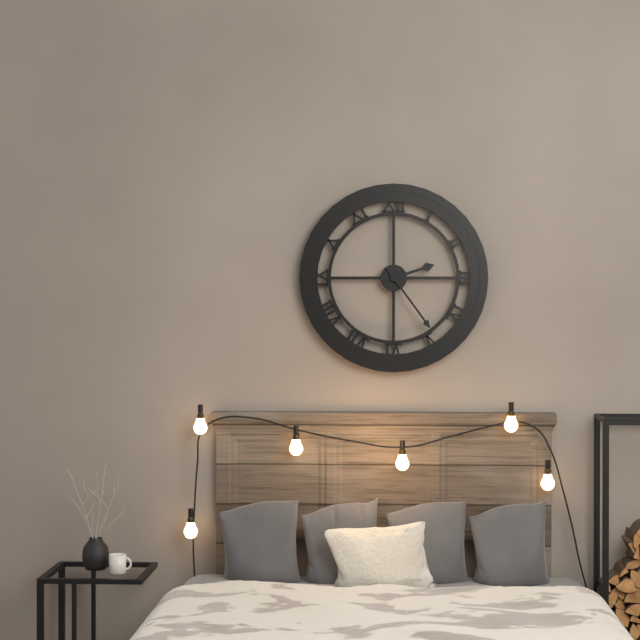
2:24
